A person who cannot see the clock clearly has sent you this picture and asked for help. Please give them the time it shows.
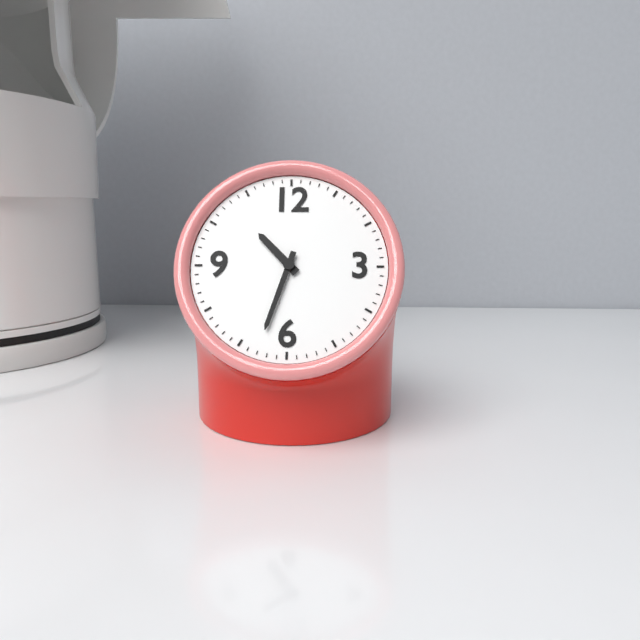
10:33
